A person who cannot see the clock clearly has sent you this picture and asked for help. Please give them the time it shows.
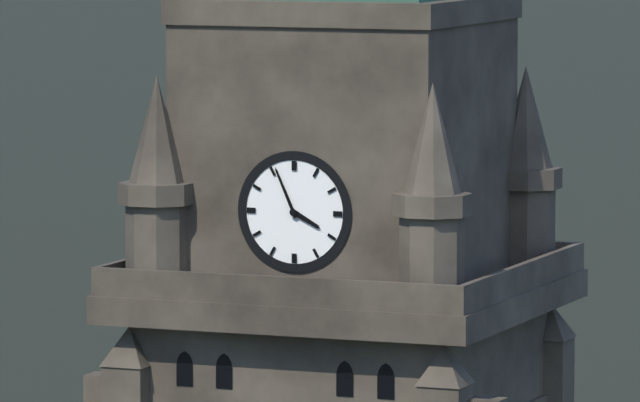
3:56
